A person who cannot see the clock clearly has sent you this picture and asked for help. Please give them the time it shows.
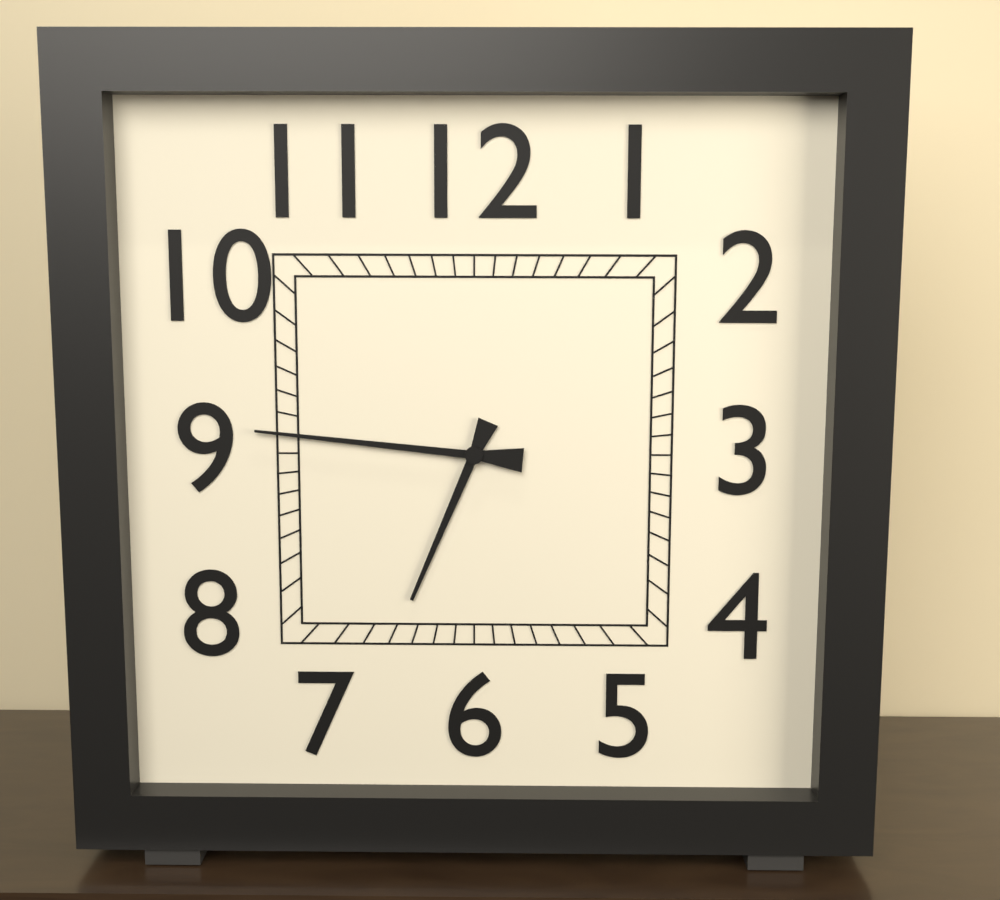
6:46
